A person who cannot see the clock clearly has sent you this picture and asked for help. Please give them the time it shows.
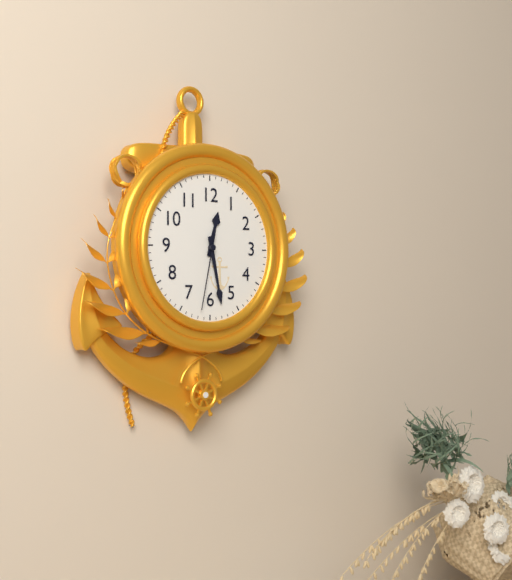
12:28:32
